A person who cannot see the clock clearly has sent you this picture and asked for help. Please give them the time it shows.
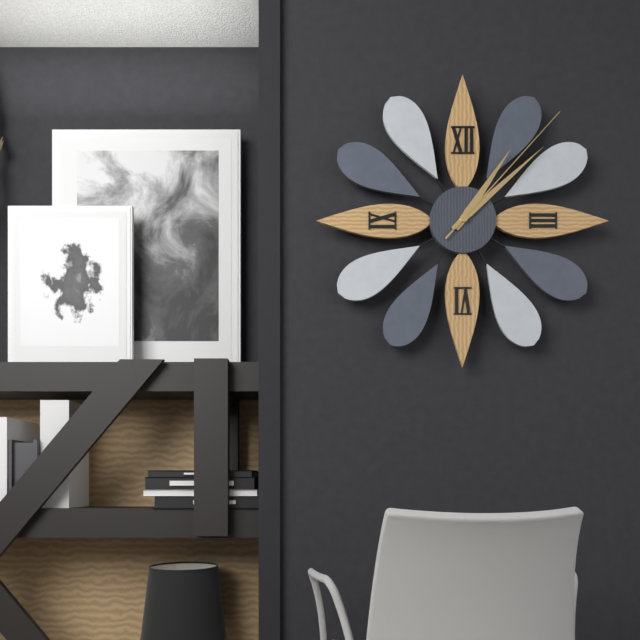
1:08:07
